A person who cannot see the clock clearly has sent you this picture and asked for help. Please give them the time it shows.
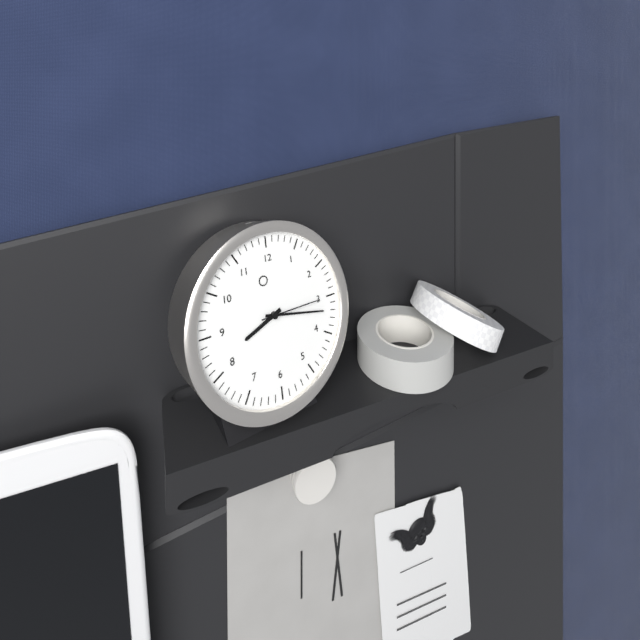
8:17:15
